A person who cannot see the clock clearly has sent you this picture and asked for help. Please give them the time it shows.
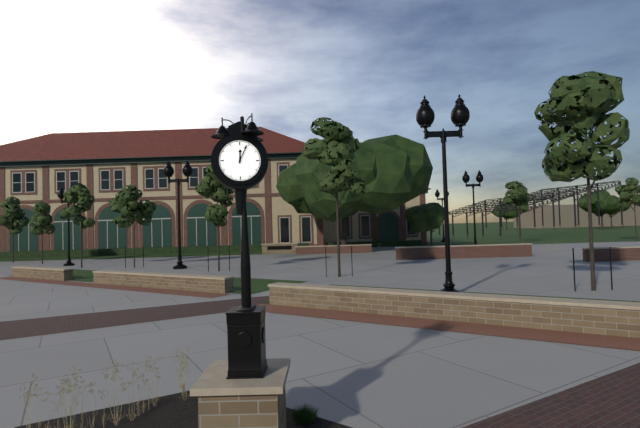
12:04
